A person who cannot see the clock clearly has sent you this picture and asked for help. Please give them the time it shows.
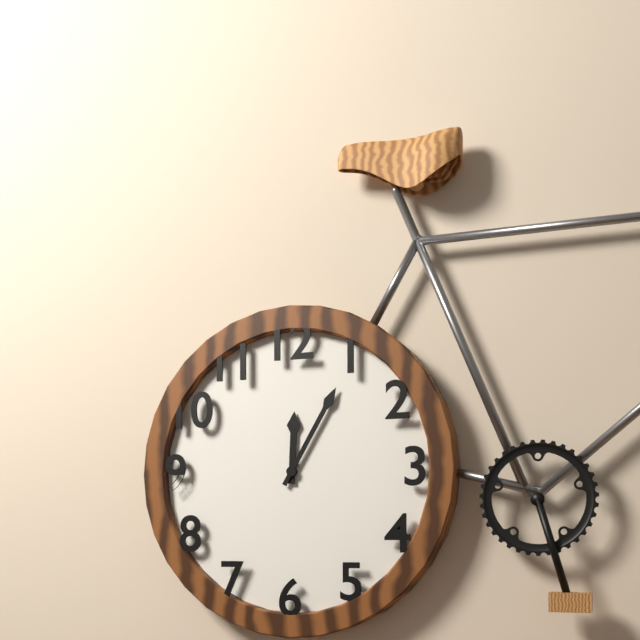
12:05
